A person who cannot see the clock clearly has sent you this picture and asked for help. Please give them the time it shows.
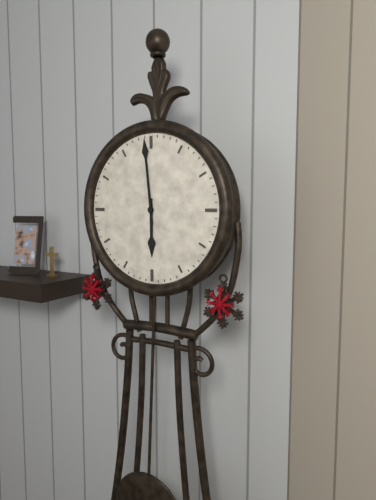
5:59
